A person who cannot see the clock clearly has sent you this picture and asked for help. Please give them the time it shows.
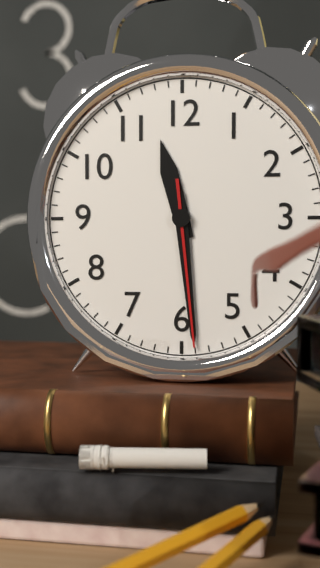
11:29:29
